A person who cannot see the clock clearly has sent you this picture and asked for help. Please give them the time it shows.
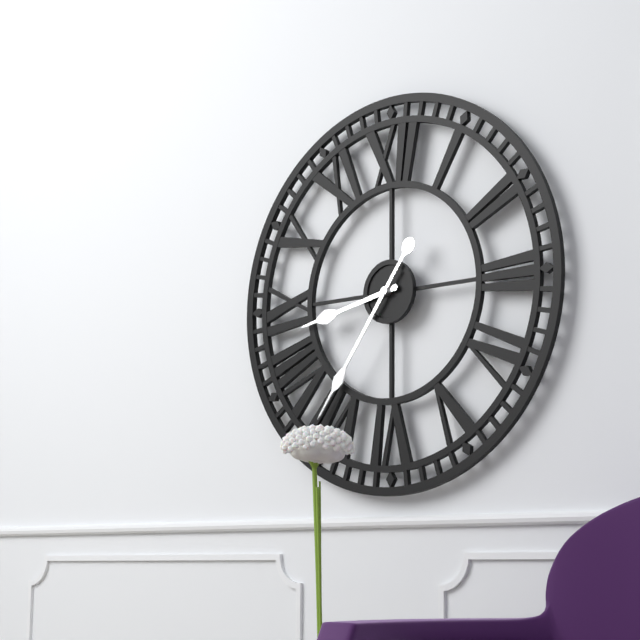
8:36
